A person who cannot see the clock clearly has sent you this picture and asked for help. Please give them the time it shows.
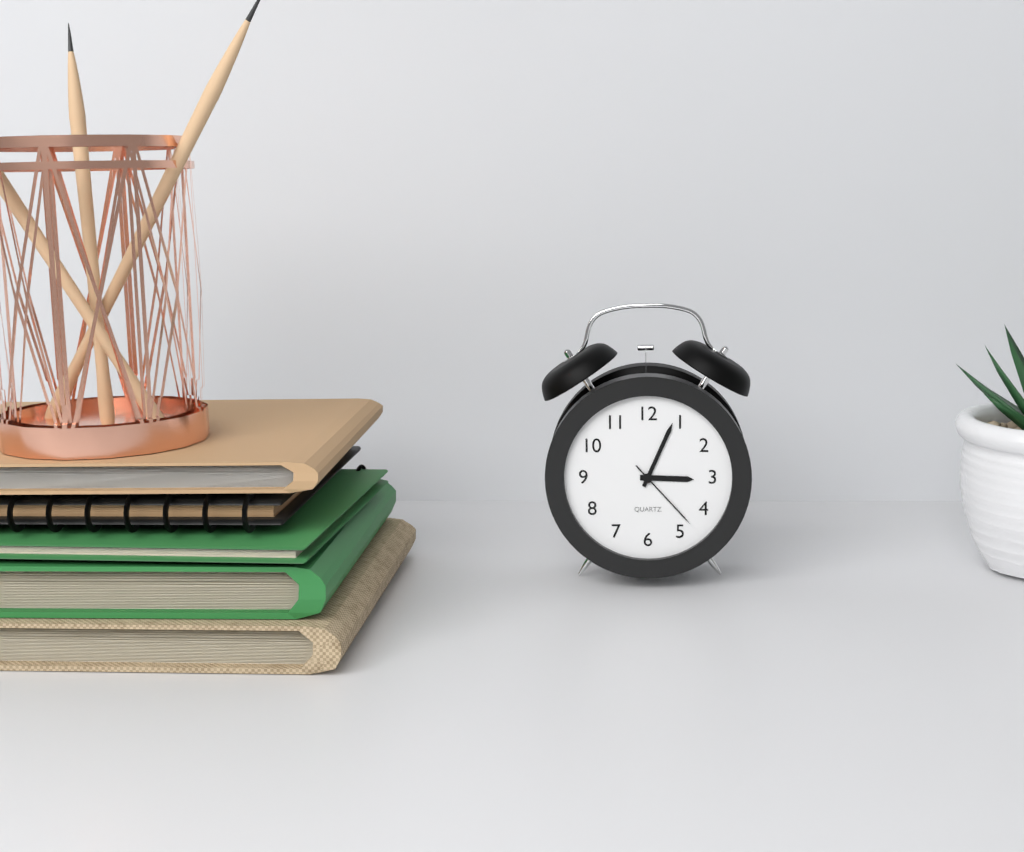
3:04:23
